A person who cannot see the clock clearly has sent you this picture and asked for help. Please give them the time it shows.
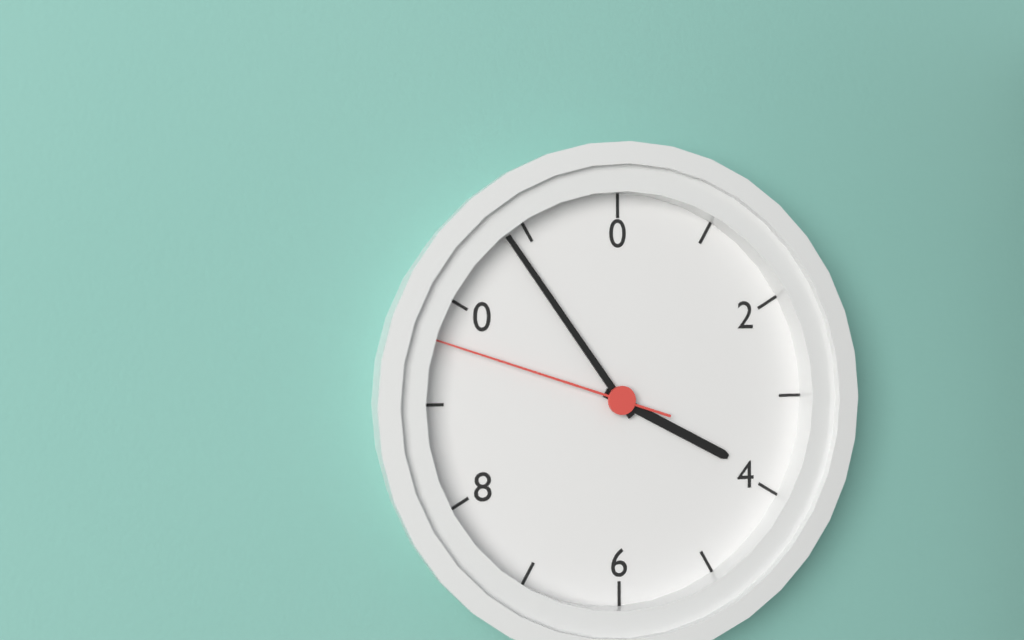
3:54:48
